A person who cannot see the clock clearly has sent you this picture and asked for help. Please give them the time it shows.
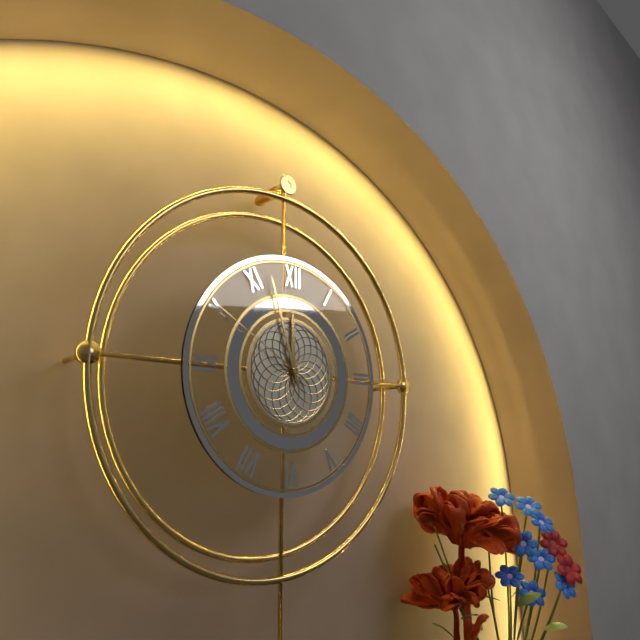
11:57:50
